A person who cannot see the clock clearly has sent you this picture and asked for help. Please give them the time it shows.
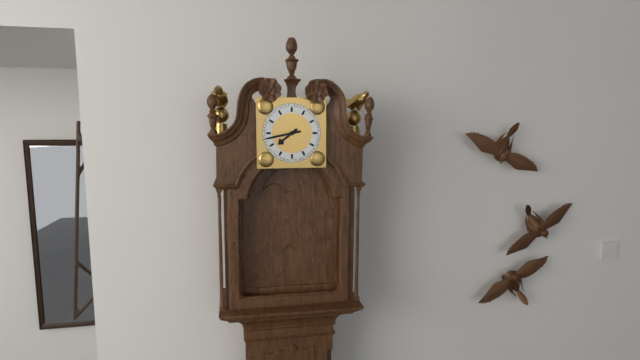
7:43
